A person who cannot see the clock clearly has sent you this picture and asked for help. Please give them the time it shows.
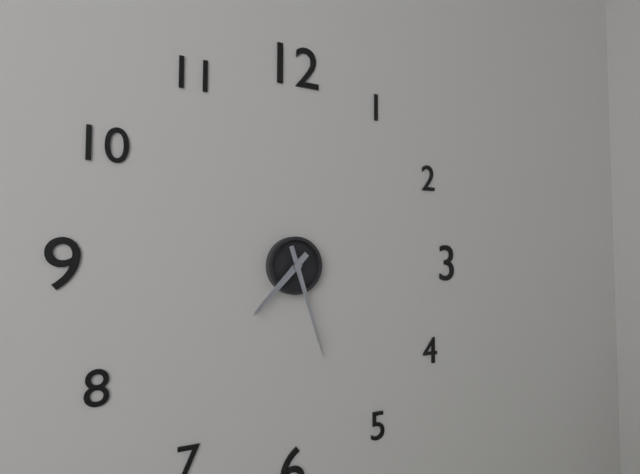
7:27
